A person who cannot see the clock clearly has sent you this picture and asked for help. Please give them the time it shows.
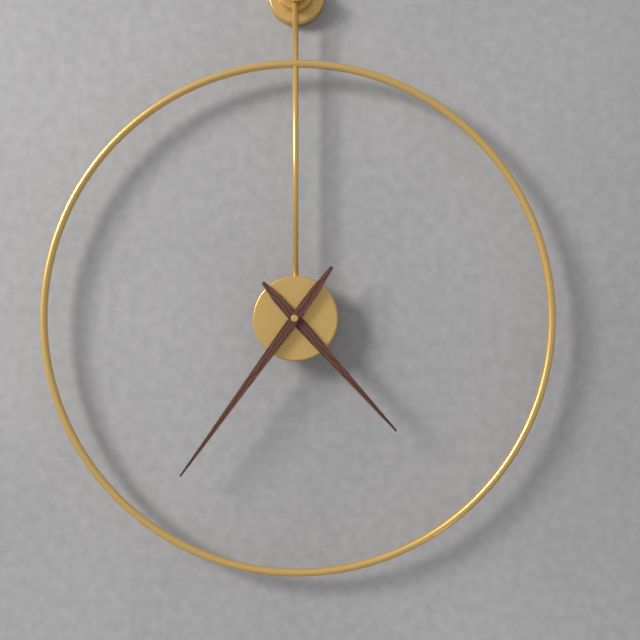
4:36
